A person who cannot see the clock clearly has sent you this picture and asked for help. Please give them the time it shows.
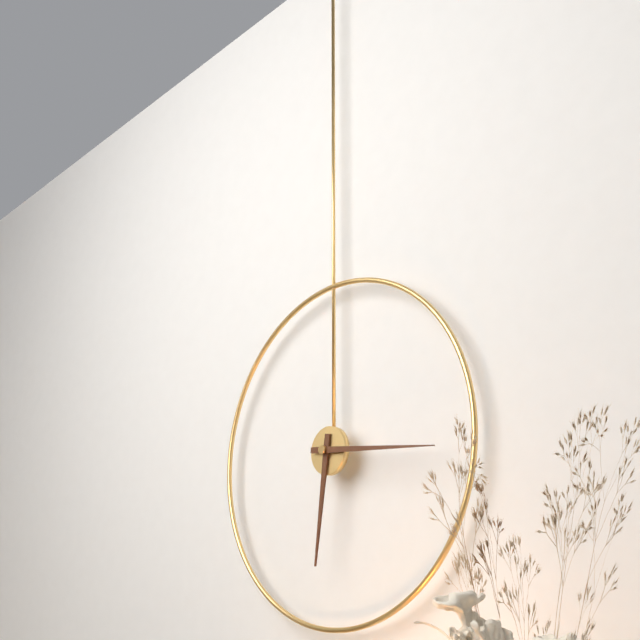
6:16
